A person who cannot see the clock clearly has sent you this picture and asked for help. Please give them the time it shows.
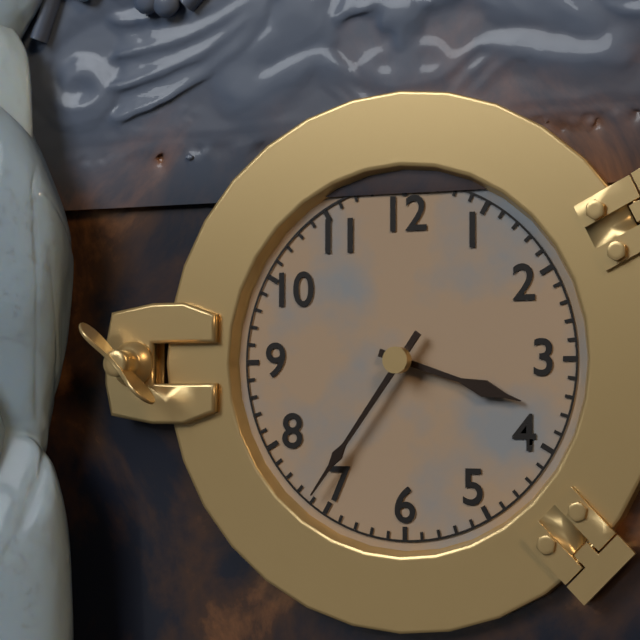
3:36
